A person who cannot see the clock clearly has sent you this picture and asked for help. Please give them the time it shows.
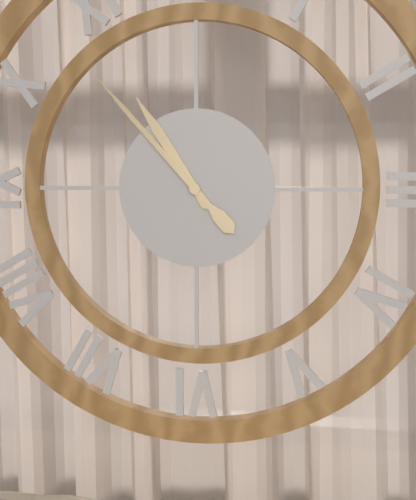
10:53
